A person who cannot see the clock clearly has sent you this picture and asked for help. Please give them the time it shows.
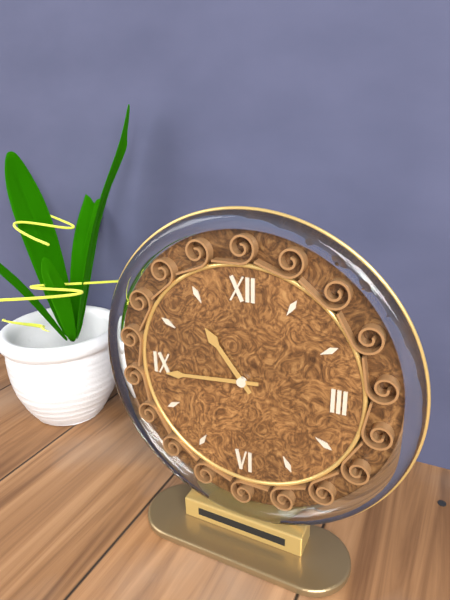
10:44
